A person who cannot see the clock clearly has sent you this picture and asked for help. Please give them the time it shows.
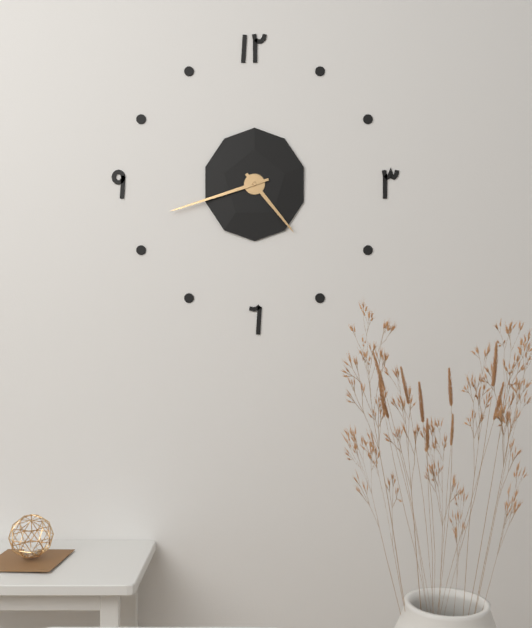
4:42
